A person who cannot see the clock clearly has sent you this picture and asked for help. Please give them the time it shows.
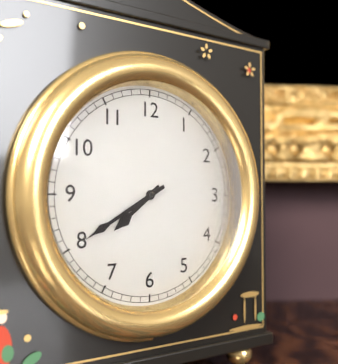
7:40
